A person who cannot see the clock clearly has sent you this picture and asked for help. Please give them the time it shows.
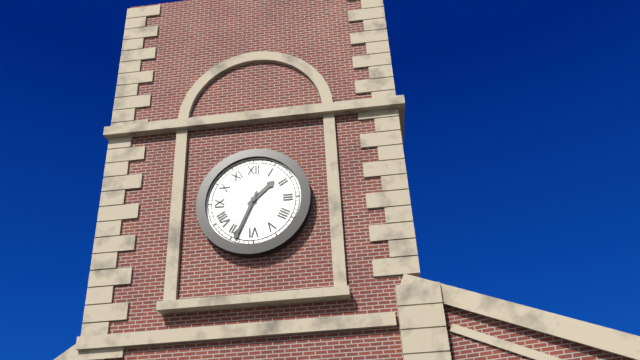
1:34
